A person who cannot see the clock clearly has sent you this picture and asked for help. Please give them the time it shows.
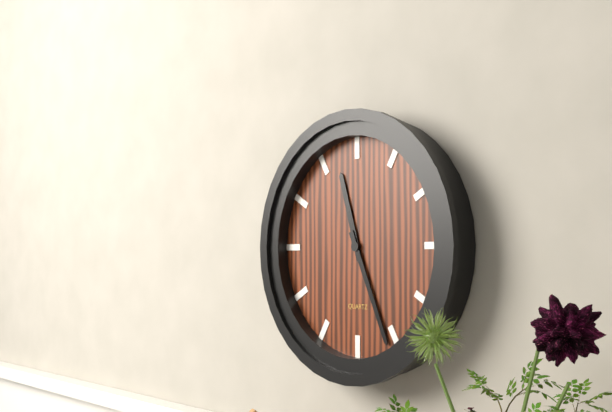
11:26
